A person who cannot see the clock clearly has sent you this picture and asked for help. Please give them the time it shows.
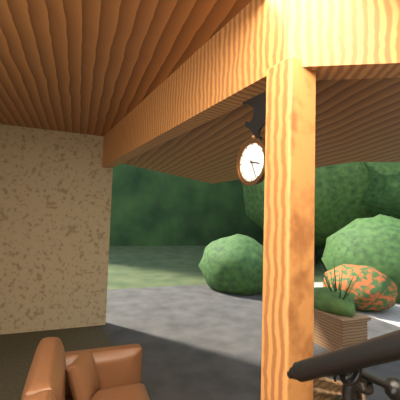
3:26
